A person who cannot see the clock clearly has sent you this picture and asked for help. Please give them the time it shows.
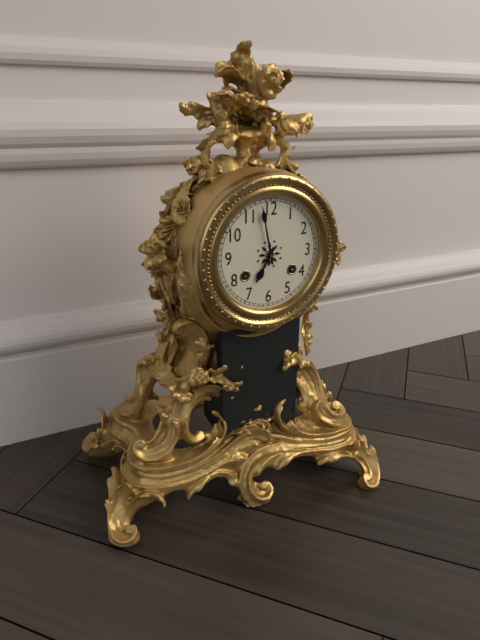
6:58
